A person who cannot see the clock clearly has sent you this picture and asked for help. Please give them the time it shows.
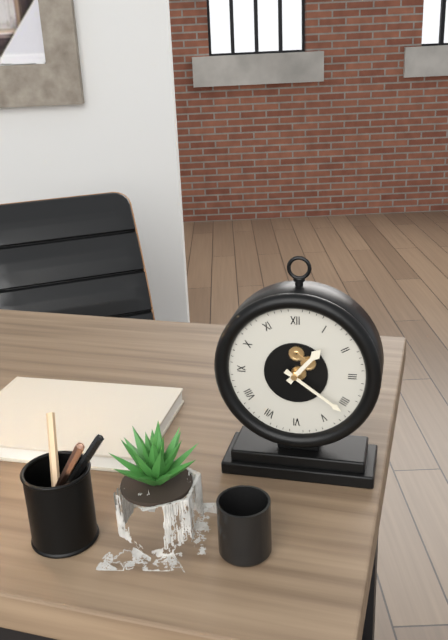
1:21
